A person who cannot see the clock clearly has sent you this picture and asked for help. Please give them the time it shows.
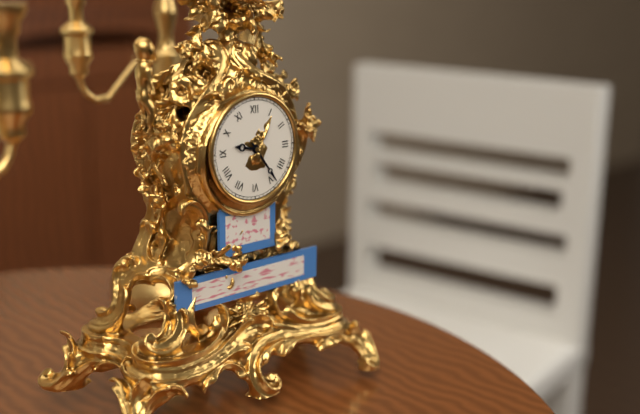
9:24
